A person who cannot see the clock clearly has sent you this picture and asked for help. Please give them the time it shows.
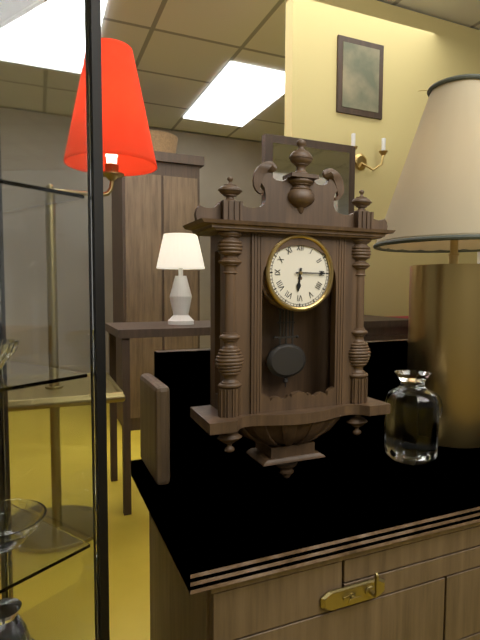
6:15
